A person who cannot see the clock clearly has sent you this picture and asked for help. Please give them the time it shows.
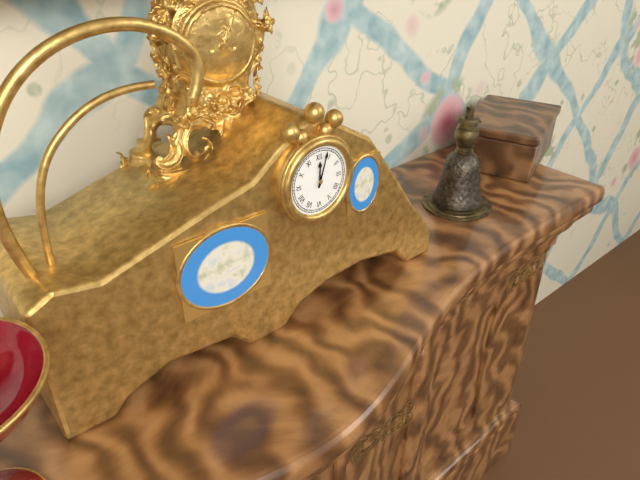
12:03
